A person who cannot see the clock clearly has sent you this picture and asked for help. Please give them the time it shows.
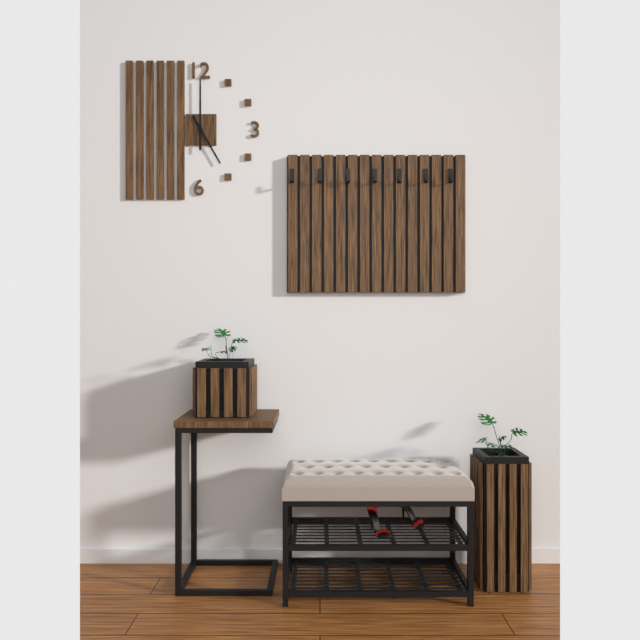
5:00
